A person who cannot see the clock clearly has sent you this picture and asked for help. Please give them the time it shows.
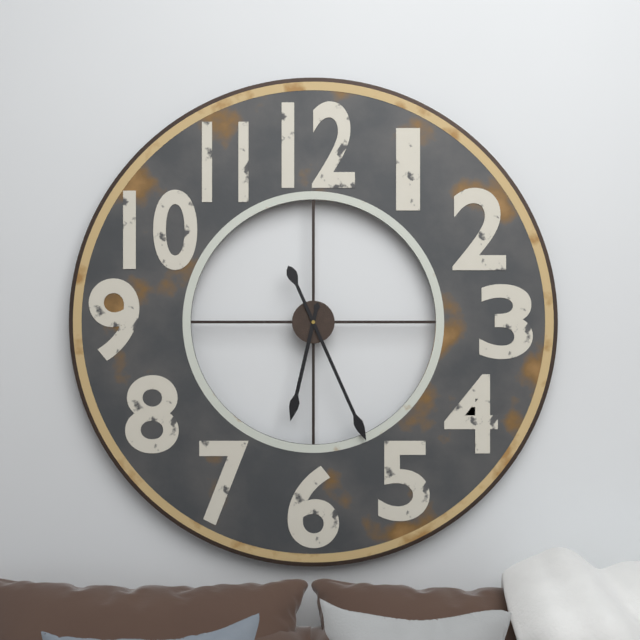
6:26
